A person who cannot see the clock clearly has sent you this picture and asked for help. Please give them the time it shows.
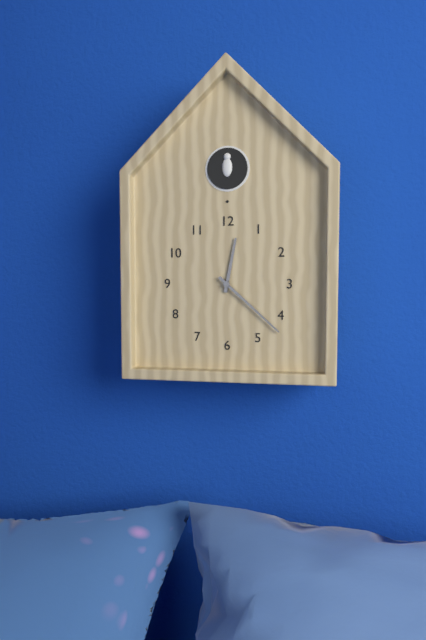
12:22
